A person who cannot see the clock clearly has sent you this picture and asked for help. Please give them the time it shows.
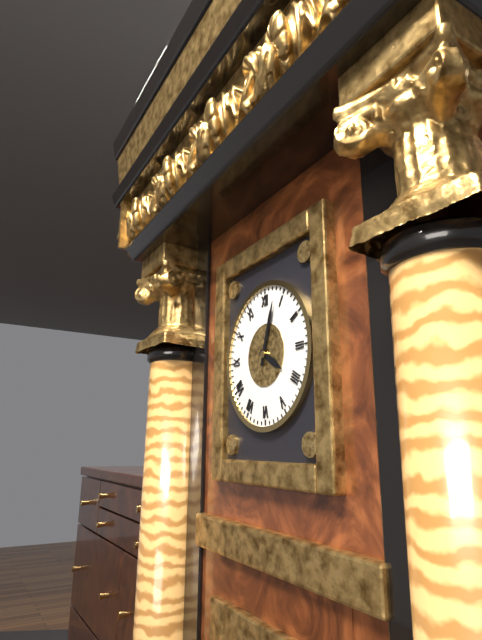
4:03
